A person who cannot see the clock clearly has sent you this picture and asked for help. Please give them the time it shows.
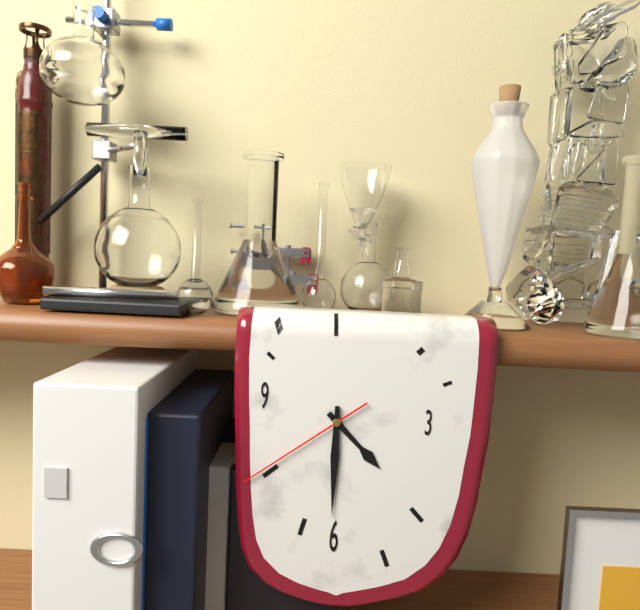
4:30:39
